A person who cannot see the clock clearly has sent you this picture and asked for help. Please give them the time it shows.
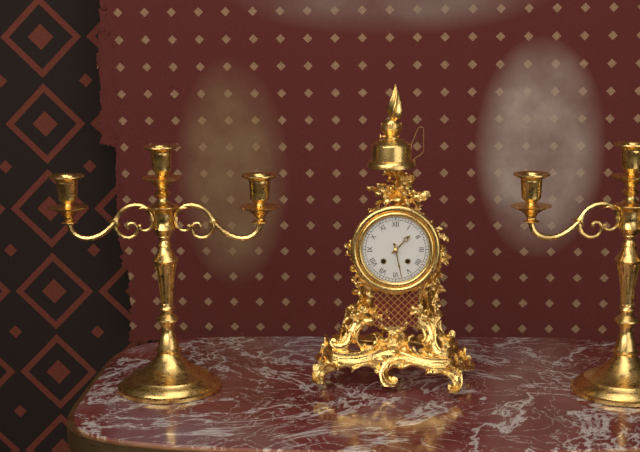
1:28
